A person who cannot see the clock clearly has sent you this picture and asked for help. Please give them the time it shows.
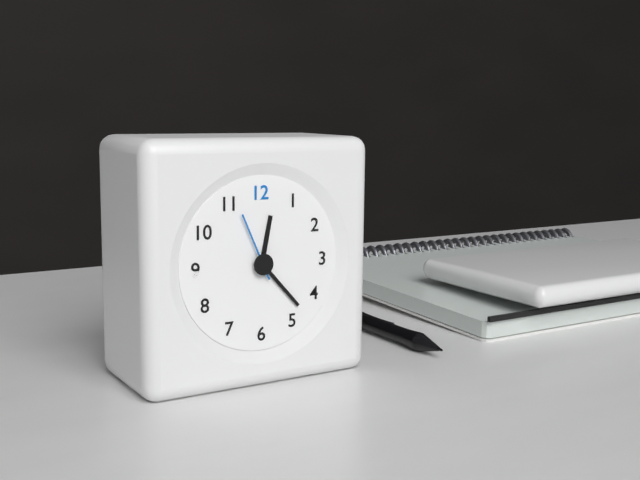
12:23:56
